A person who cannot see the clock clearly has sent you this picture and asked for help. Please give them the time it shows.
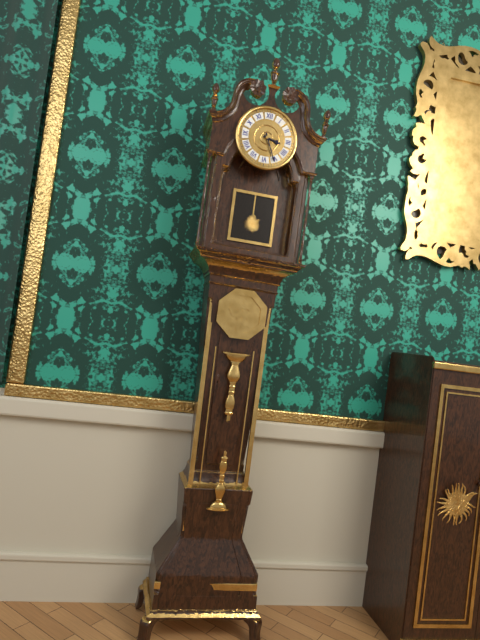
3:26
